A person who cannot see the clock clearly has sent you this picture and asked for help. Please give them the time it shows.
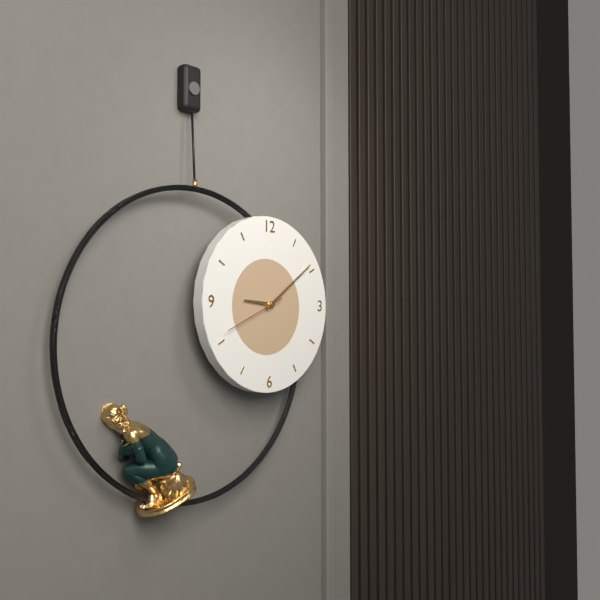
9:09:41
